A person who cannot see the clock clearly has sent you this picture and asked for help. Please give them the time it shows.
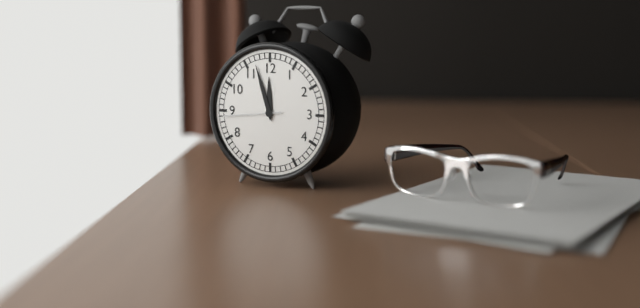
11:57:44
